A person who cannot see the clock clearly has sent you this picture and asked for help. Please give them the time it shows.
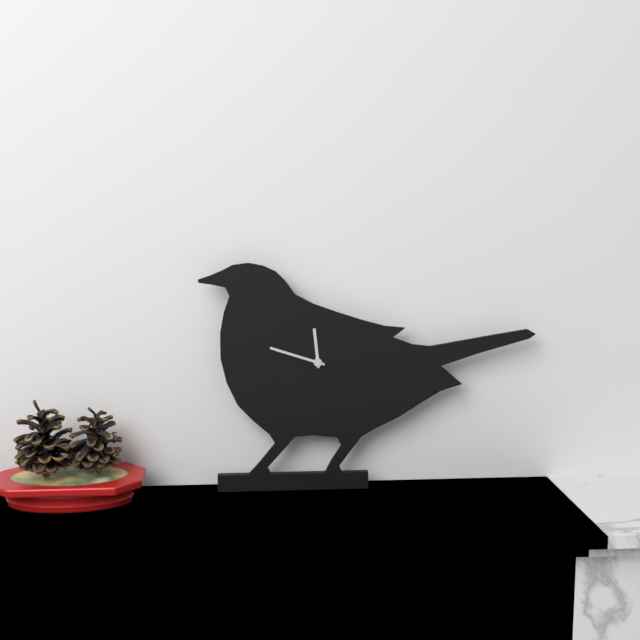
11:48
